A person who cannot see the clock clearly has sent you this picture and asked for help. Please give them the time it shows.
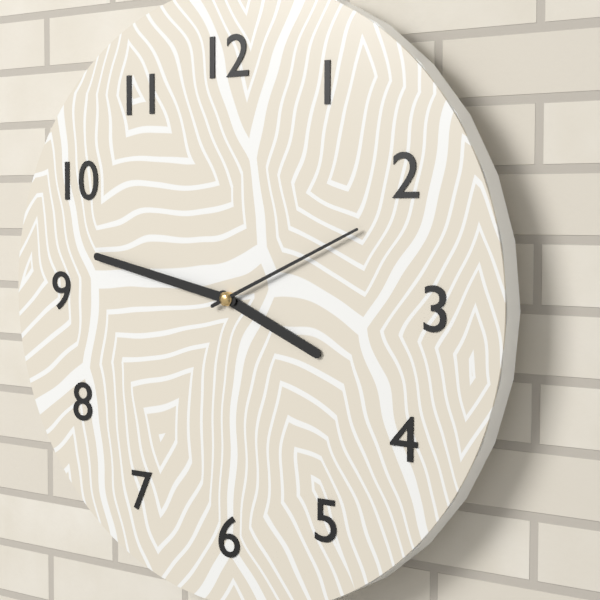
3:47:11
